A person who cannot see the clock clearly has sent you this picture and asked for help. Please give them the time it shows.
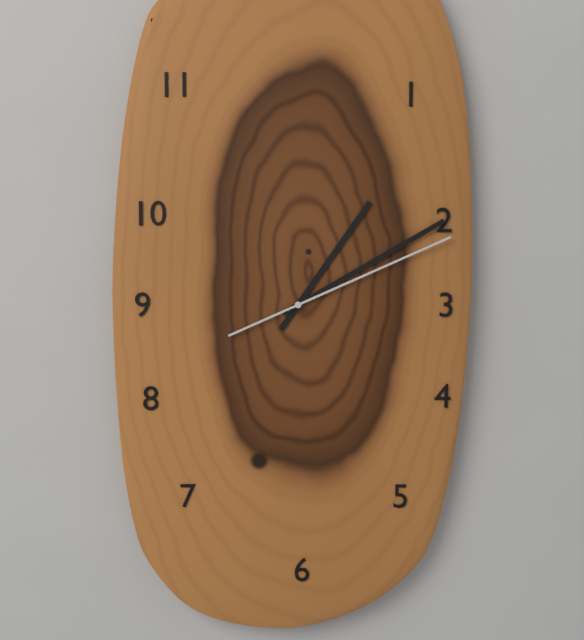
1:10:11
